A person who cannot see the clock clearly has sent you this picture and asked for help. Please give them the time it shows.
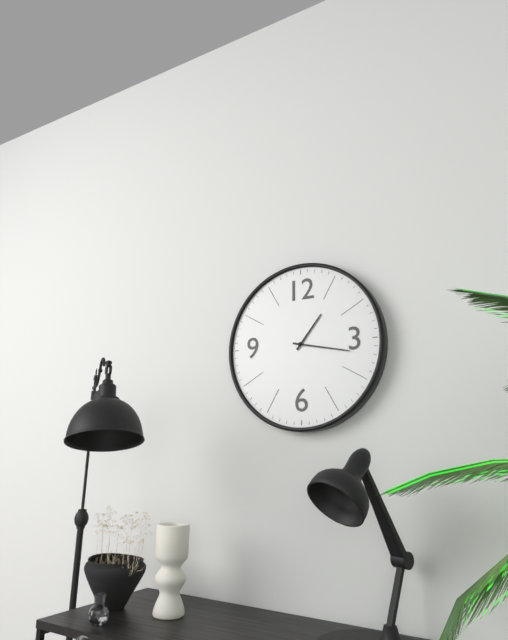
1:17
